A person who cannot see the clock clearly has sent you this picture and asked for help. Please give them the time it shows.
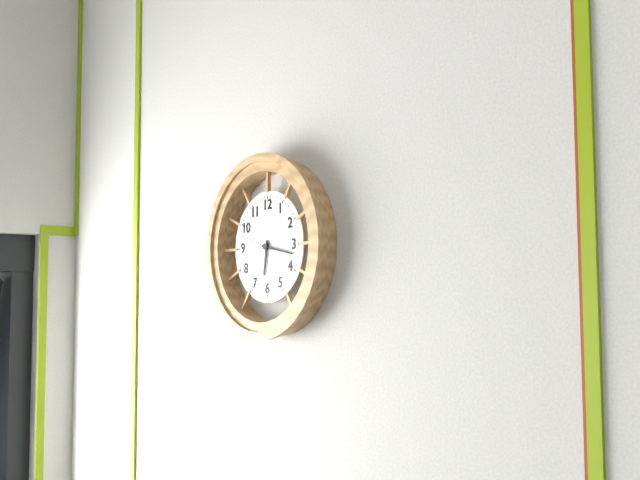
6:17
